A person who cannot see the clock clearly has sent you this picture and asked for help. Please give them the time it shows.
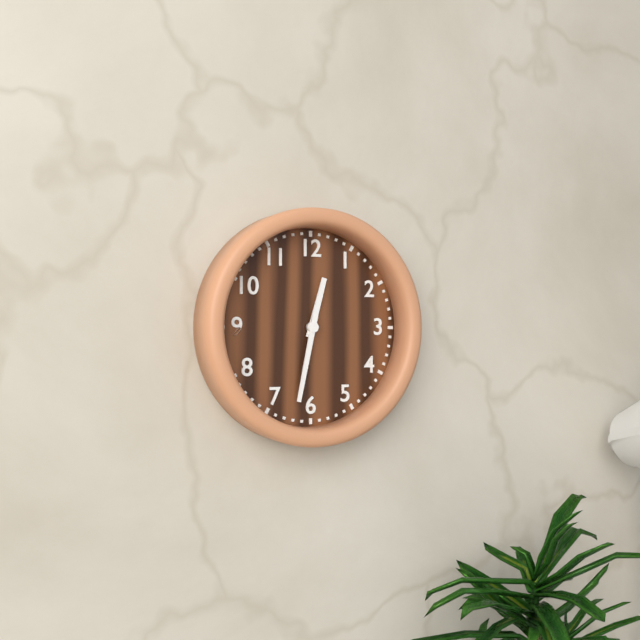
12:32
